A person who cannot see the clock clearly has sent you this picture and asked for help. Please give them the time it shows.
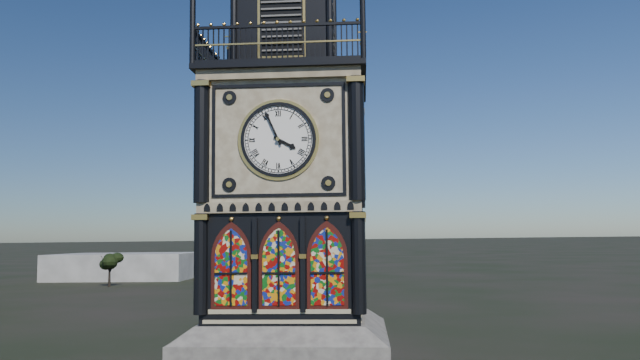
3:56
